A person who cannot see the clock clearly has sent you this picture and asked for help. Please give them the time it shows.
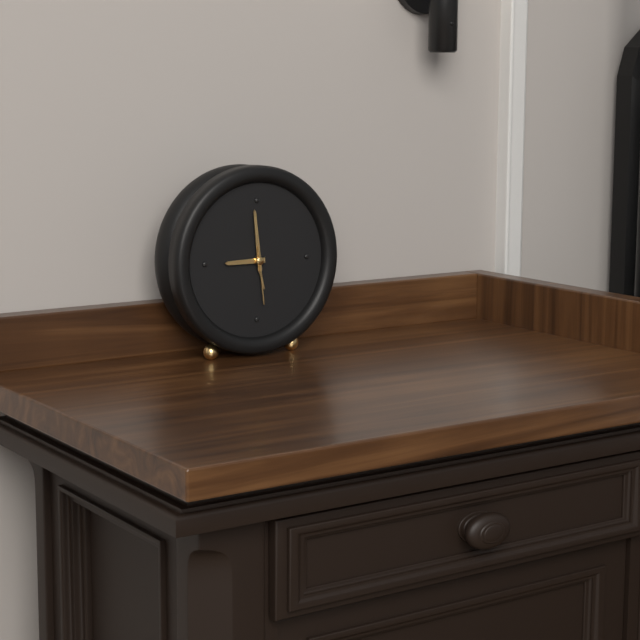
8:59:29
